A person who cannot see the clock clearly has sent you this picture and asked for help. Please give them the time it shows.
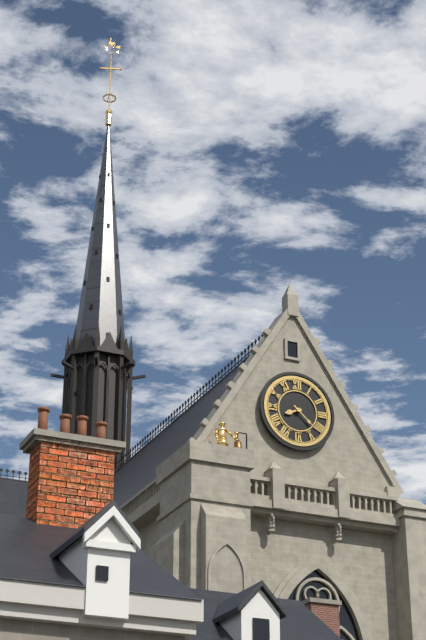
8:22
